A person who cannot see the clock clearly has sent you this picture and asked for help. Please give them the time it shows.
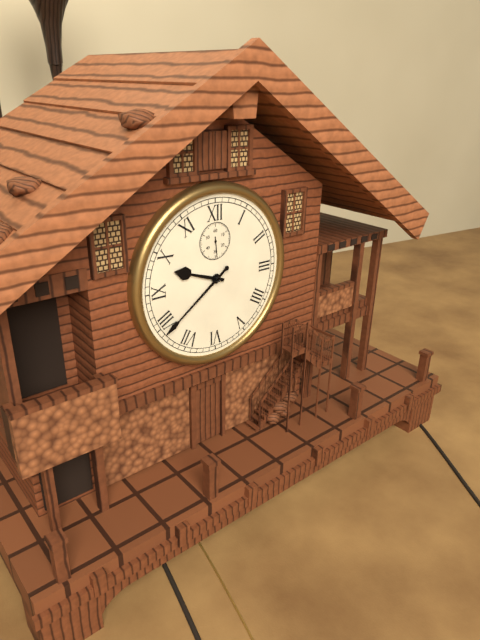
9:39
